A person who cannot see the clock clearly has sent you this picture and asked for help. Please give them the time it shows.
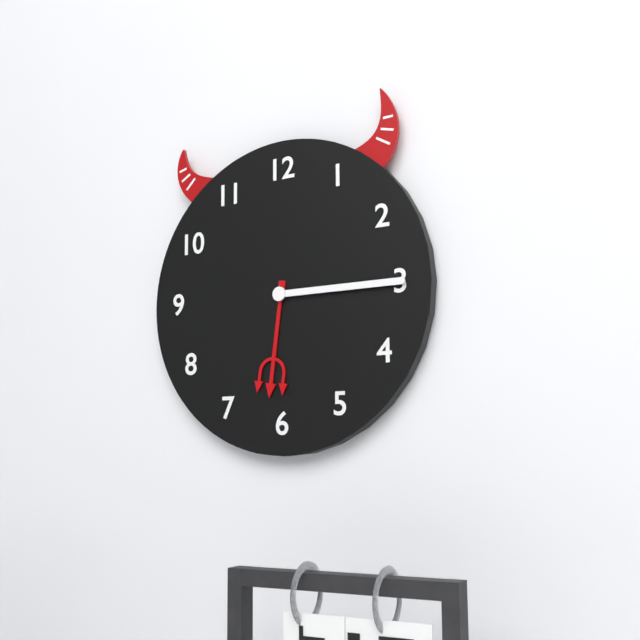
6:15
